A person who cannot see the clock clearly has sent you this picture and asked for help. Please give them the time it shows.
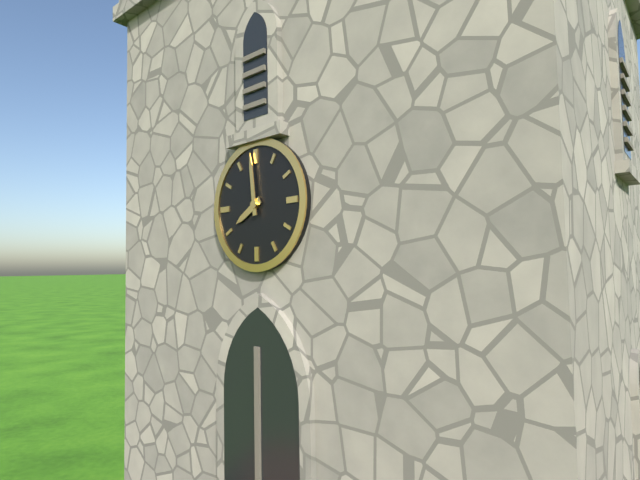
7:59
